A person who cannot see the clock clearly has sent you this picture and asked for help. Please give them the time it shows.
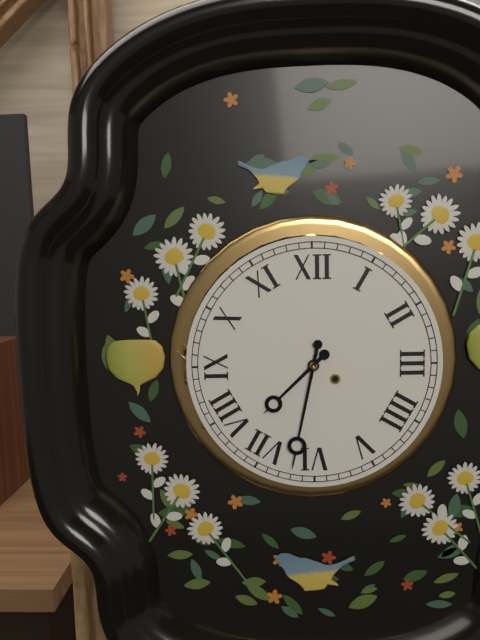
7:32
